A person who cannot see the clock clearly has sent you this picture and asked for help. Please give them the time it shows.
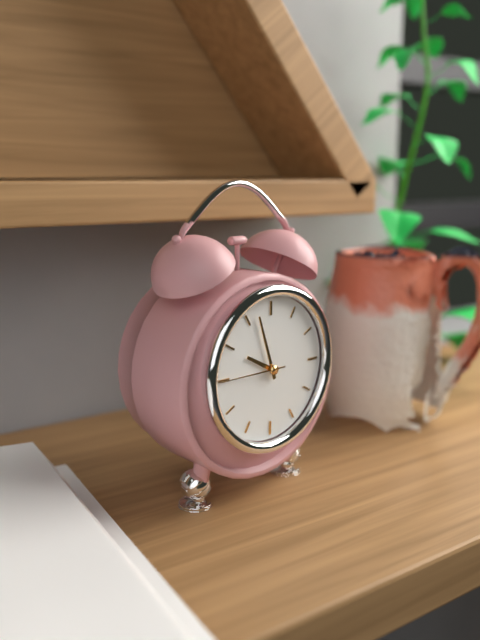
9:57:45
